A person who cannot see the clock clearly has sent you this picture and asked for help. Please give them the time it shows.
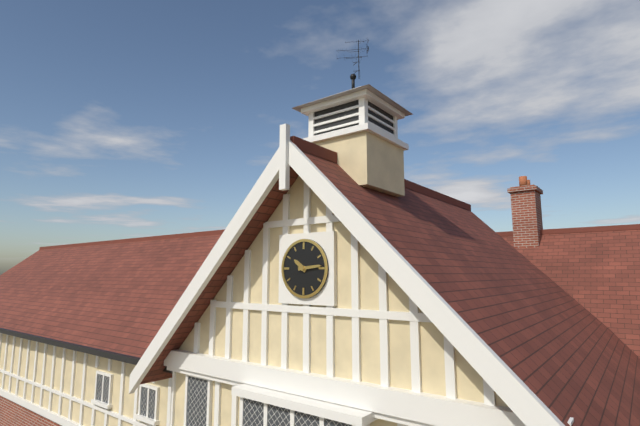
10:14
